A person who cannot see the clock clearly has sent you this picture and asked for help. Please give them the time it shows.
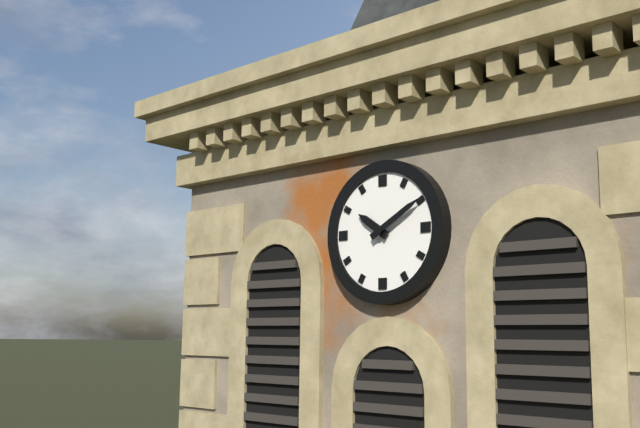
10:10
